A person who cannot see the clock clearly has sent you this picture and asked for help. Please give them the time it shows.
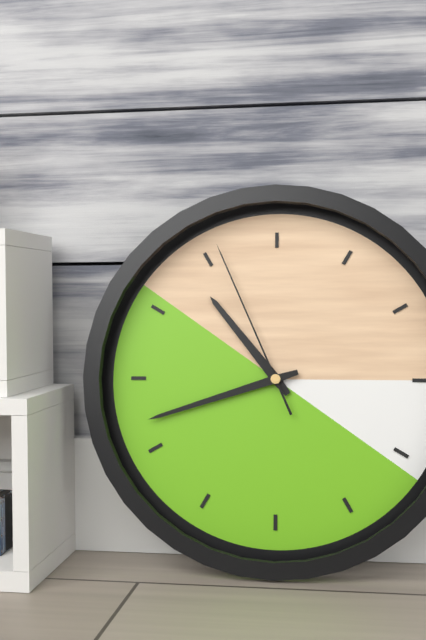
10:42:56
